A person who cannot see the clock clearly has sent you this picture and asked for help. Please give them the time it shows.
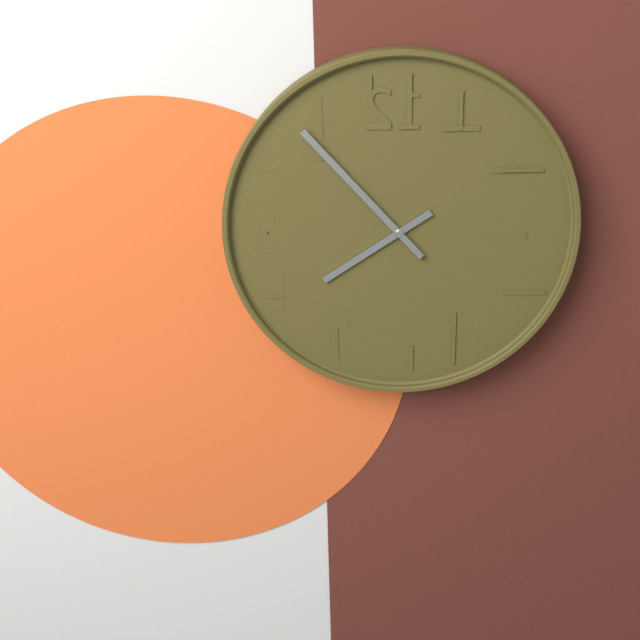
7:53
